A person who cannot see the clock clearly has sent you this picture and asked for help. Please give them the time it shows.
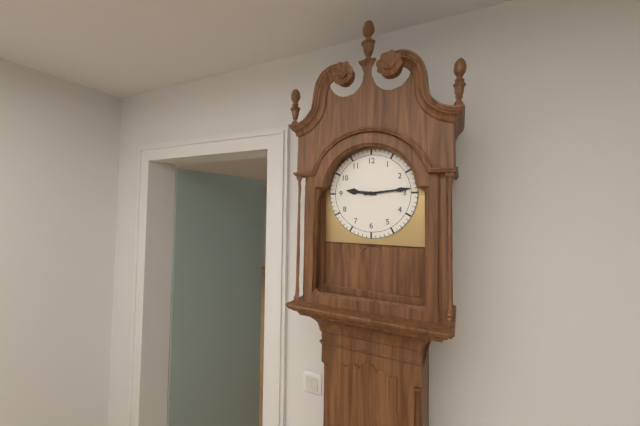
9:14
